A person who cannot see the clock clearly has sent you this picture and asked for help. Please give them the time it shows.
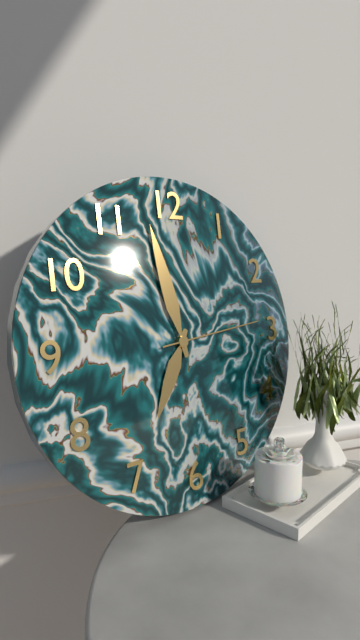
6:58:14
